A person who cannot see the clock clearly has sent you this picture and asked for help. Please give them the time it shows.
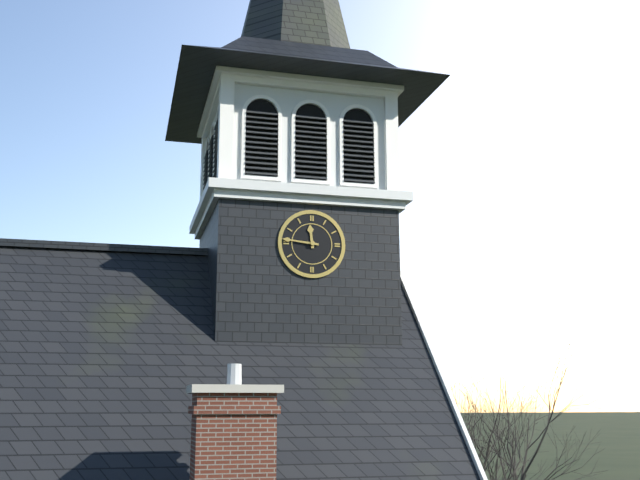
11:46
